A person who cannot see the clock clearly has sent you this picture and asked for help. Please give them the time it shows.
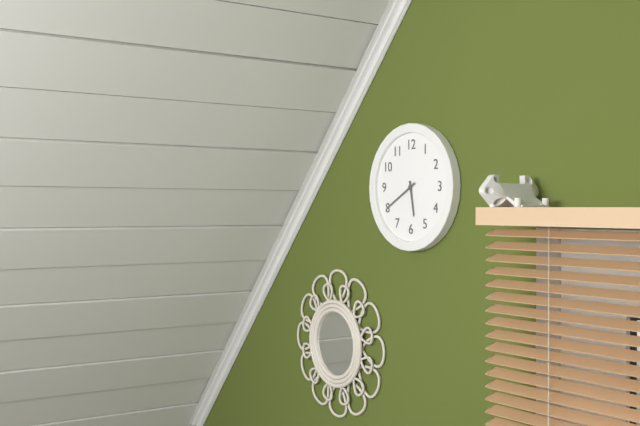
5:40
